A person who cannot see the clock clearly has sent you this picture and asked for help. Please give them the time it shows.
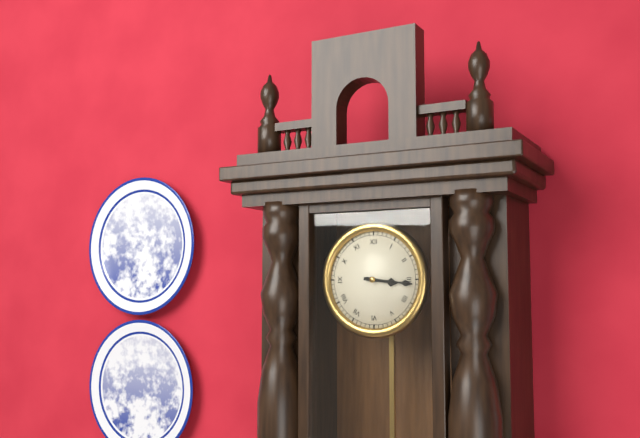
3:16
